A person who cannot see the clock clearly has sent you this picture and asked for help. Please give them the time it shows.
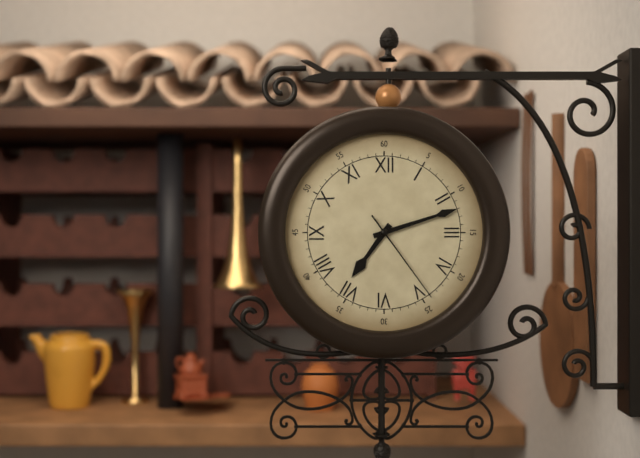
7:12:24
